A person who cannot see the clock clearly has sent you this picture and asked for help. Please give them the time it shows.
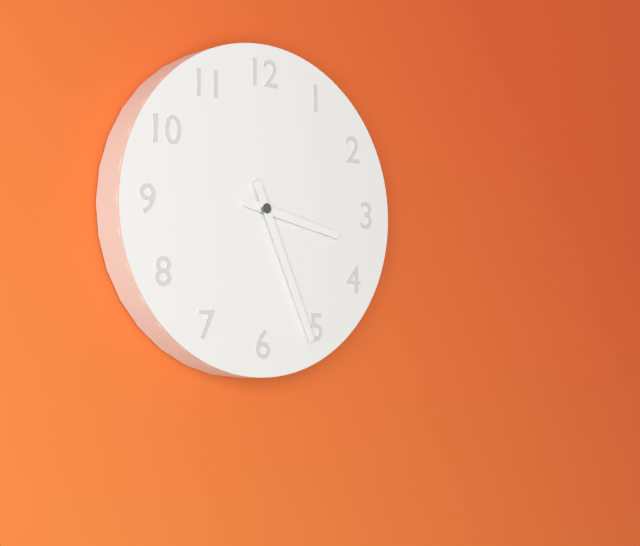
3:26
